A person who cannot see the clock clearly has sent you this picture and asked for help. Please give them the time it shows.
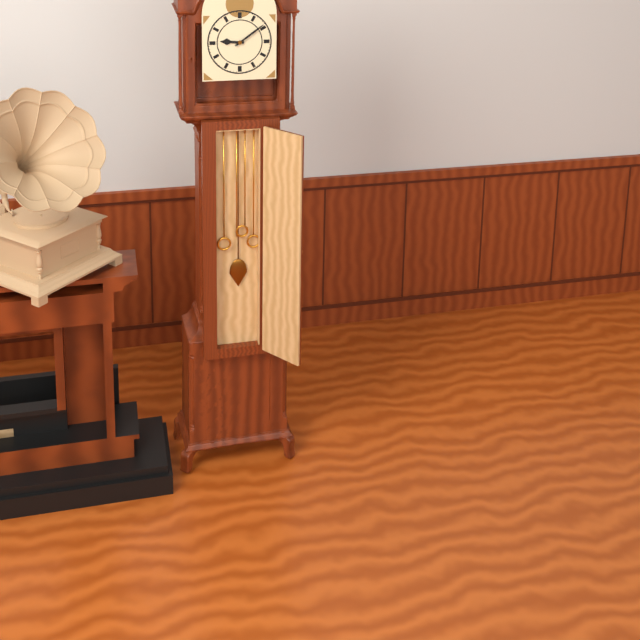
9:09
